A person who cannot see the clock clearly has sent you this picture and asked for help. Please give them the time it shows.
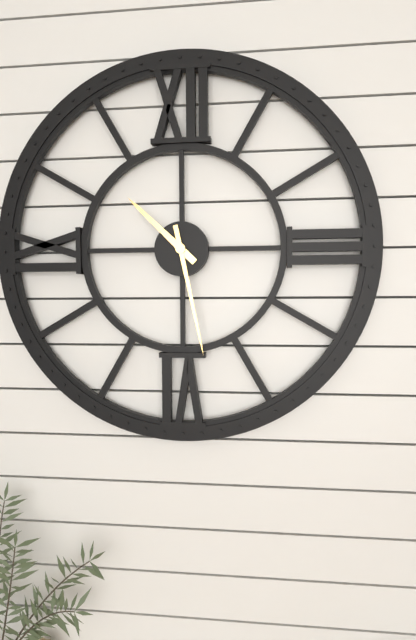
10:28
